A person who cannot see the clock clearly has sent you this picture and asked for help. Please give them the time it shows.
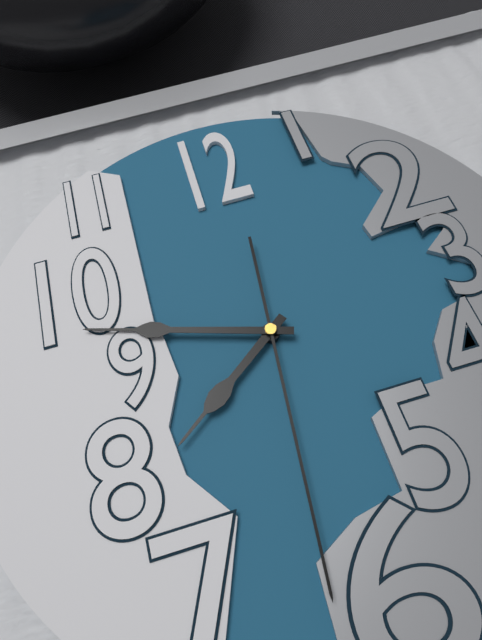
7:48:31
